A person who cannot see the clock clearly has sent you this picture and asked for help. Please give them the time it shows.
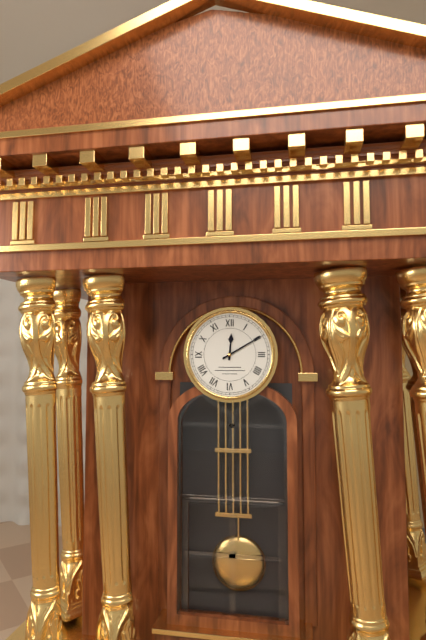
12:10
